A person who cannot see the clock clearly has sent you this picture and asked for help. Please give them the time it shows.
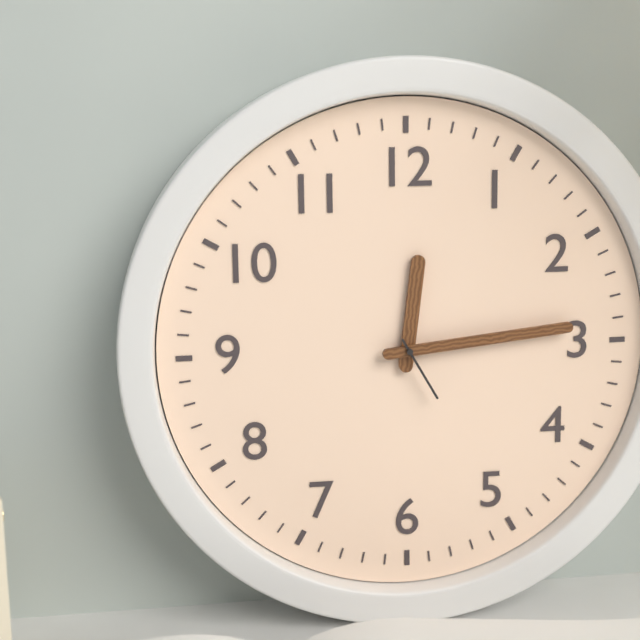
12:14:25
